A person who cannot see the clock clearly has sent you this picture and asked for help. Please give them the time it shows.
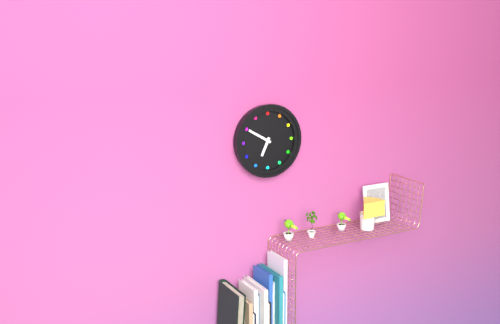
6:50
